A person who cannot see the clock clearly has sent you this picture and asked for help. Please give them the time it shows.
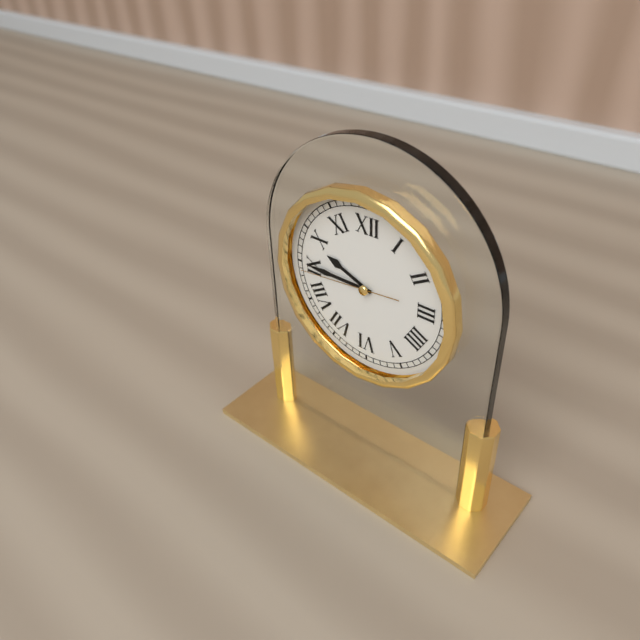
9:45:44
